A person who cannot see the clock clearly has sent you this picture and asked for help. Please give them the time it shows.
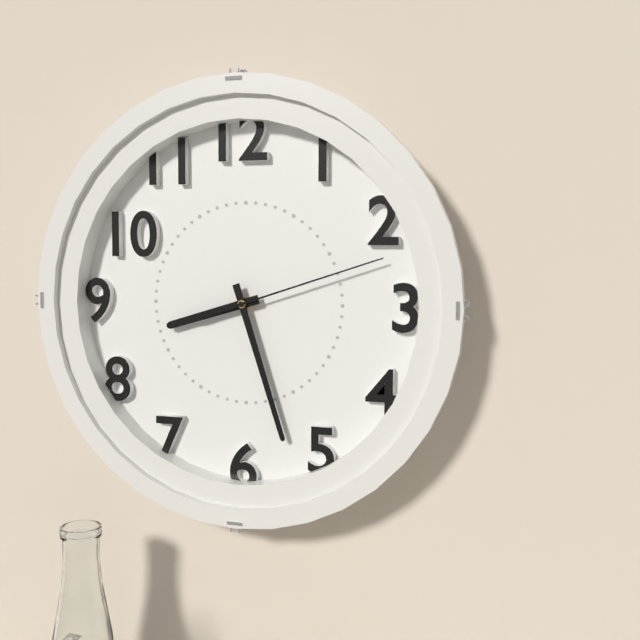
8:27:12
